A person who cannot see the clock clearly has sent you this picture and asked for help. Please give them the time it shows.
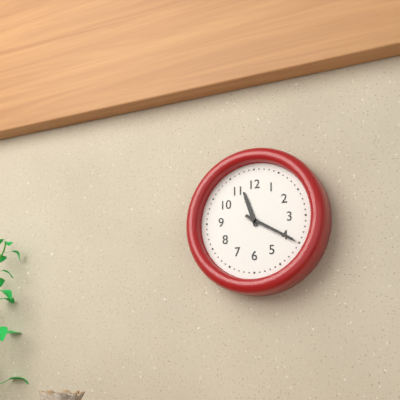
11:20
